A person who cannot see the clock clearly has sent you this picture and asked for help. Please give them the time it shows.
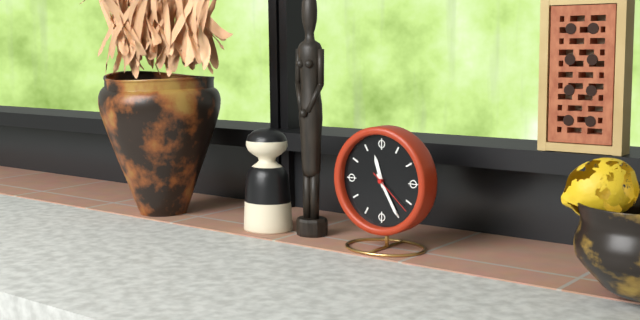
11:25
